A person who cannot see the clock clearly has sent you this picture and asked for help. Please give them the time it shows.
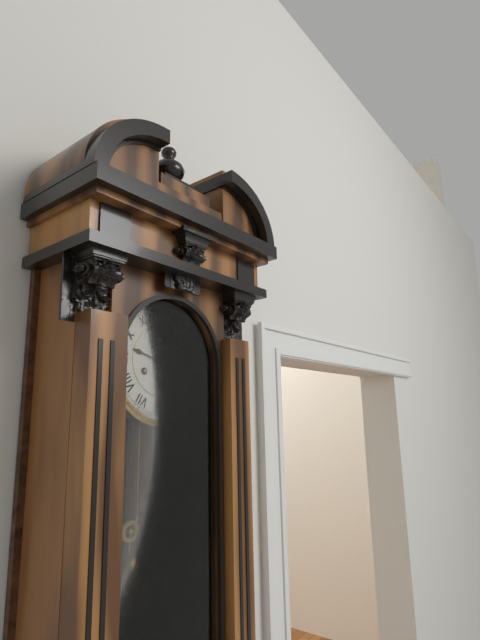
9:30
